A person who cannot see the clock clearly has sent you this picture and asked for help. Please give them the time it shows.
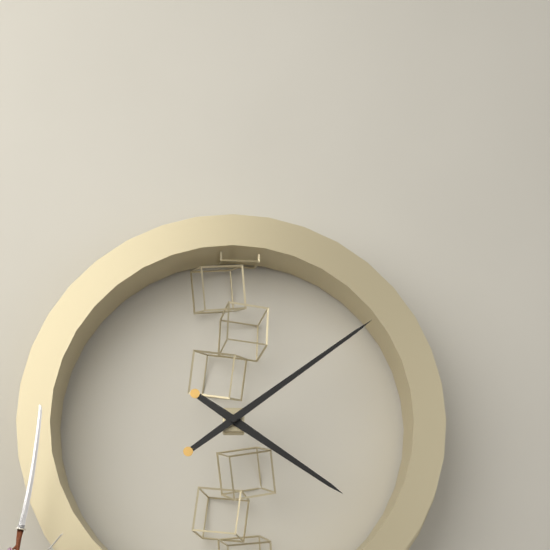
4:09
